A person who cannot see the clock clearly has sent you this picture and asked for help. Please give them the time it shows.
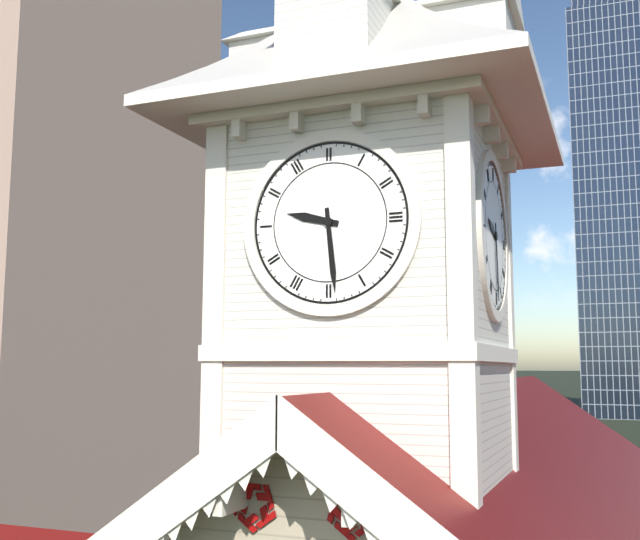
9:29
